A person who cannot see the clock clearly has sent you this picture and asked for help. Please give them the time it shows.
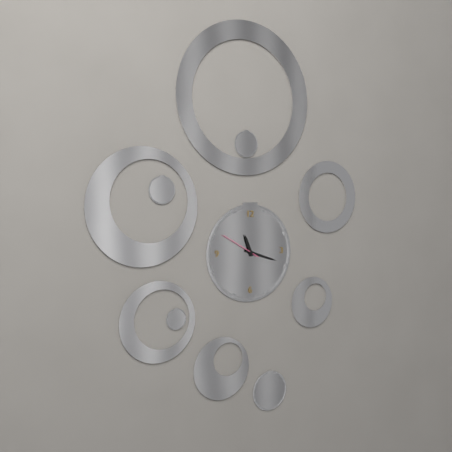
11:18
